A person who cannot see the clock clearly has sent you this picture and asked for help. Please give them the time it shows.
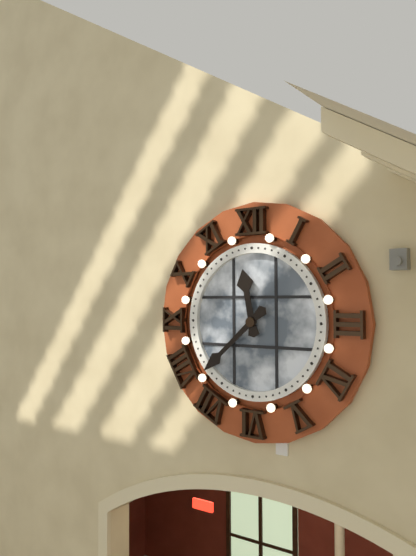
11:38
